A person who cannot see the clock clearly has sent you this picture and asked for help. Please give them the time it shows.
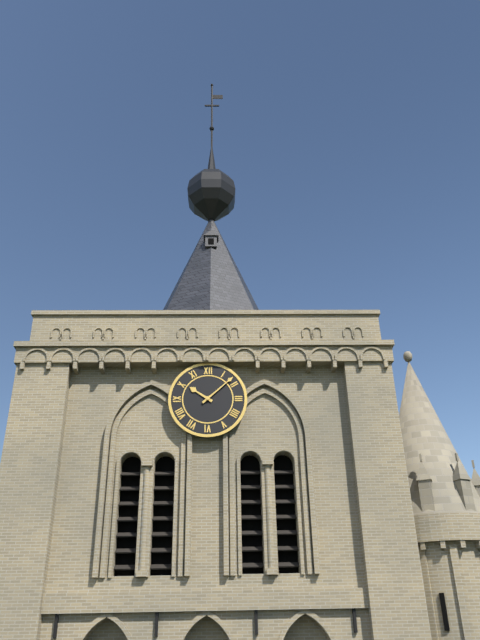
10:08
